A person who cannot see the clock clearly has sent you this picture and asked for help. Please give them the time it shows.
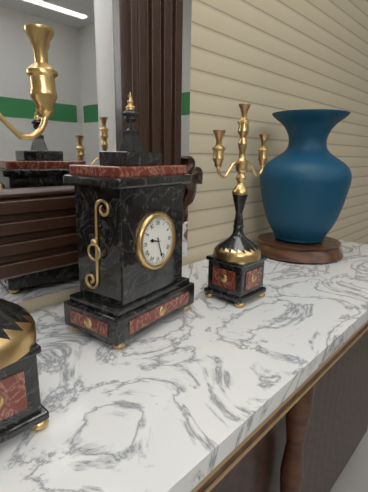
9:27
